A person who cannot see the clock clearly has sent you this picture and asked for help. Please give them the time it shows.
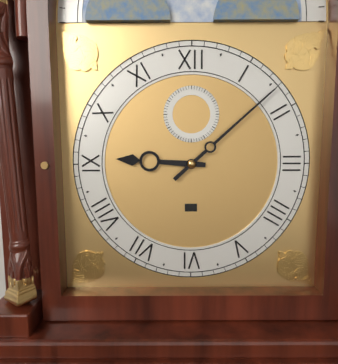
9:08
